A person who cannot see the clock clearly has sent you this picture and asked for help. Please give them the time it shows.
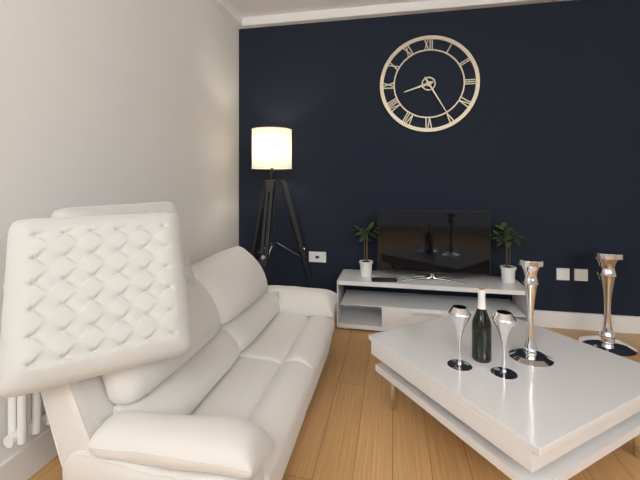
8:25
